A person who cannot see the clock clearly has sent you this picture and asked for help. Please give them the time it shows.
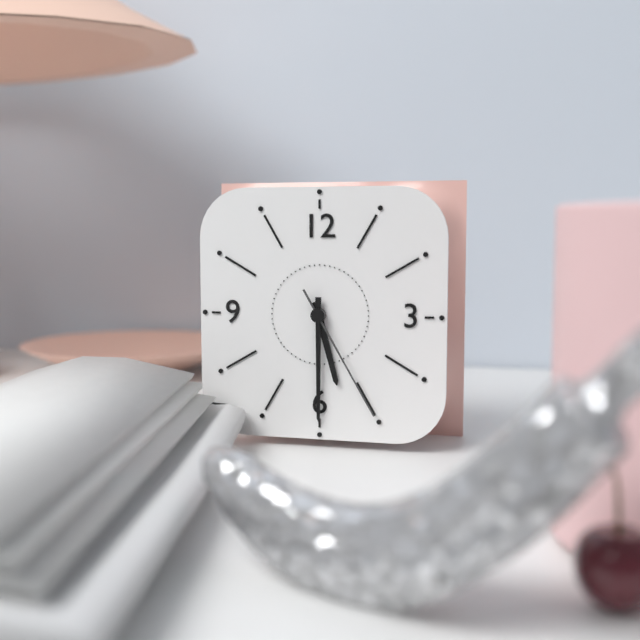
5:30:25
